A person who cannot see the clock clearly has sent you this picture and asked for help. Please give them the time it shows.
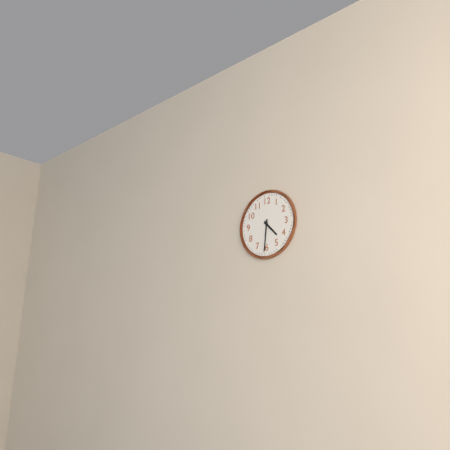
4:31
